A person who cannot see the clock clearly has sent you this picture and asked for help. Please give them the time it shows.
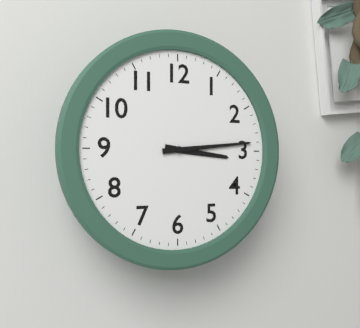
3:14
